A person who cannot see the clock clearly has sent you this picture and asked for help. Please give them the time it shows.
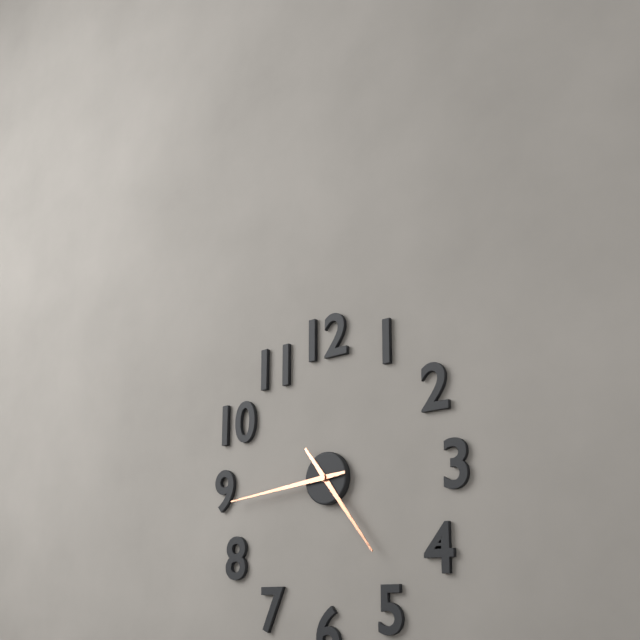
4:44
